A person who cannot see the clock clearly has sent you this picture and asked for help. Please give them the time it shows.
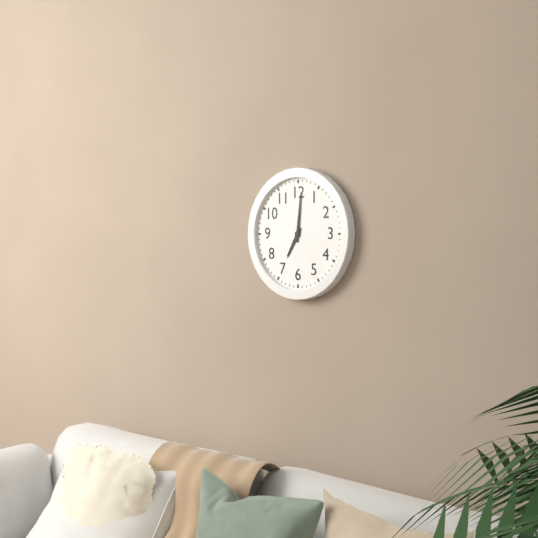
7:01
